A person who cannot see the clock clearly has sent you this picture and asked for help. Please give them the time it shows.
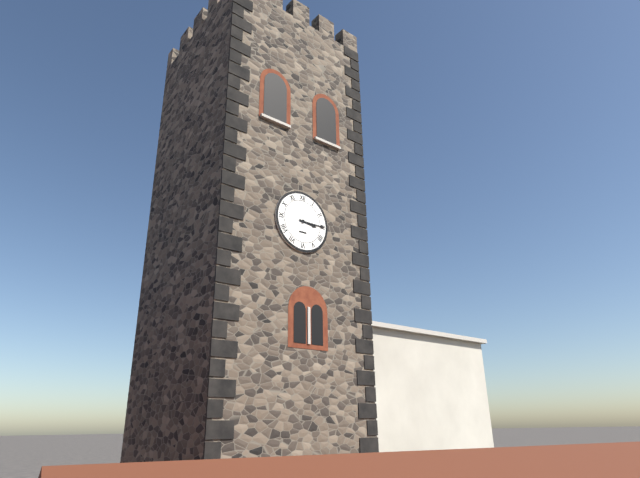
3:15
